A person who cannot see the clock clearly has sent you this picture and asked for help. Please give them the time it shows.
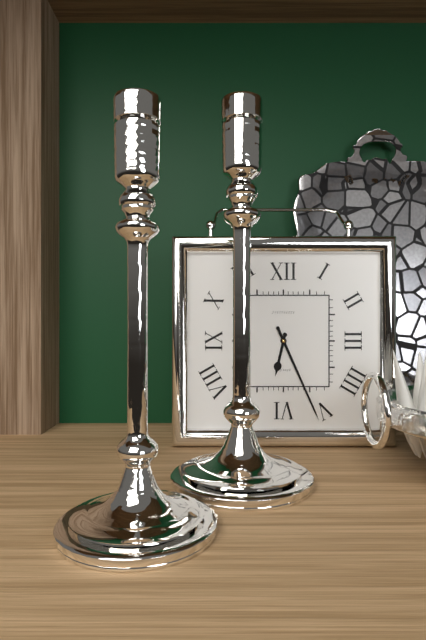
6:26
